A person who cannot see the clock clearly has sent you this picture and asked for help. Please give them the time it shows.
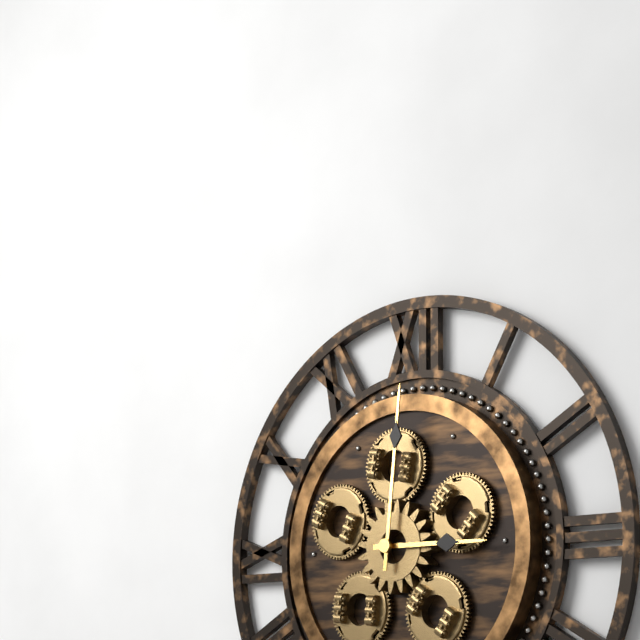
3:01
